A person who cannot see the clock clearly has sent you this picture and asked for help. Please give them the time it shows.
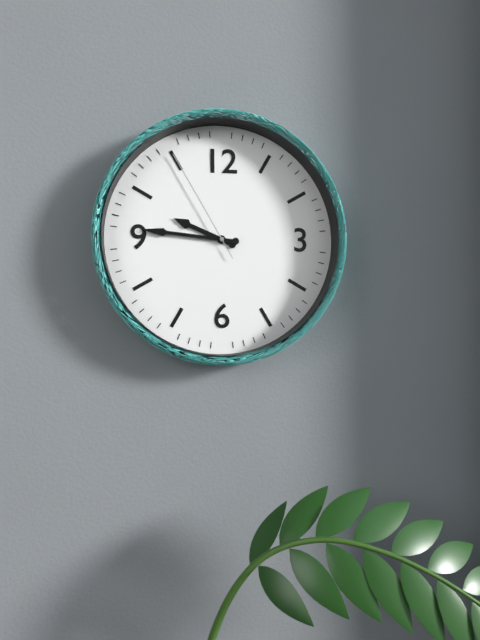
9:46:55
